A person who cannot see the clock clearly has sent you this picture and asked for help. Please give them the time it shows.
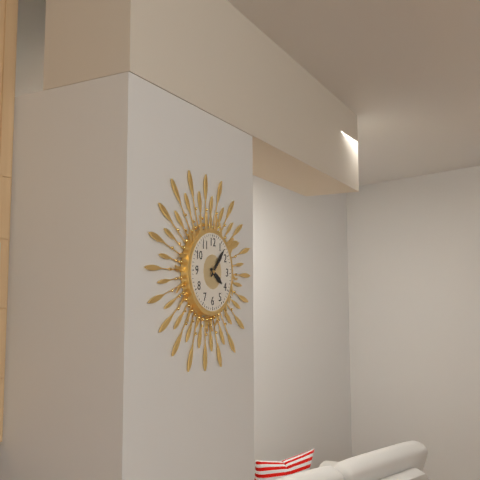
4:07
